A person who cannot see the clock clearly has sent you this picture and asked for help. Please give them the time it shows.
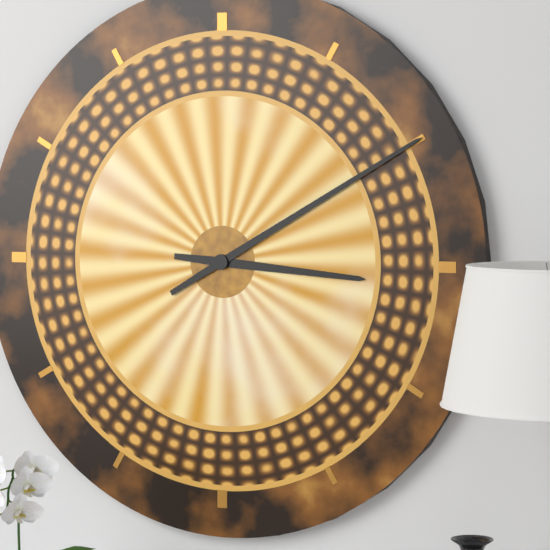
3:10
